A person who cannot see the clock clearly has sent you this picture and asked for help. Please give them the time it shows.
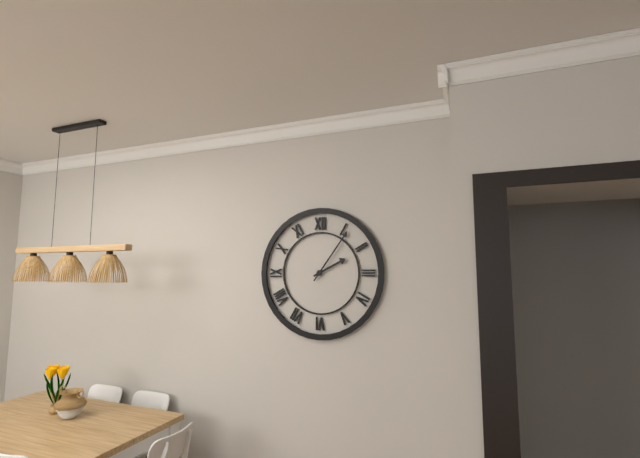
2:06
